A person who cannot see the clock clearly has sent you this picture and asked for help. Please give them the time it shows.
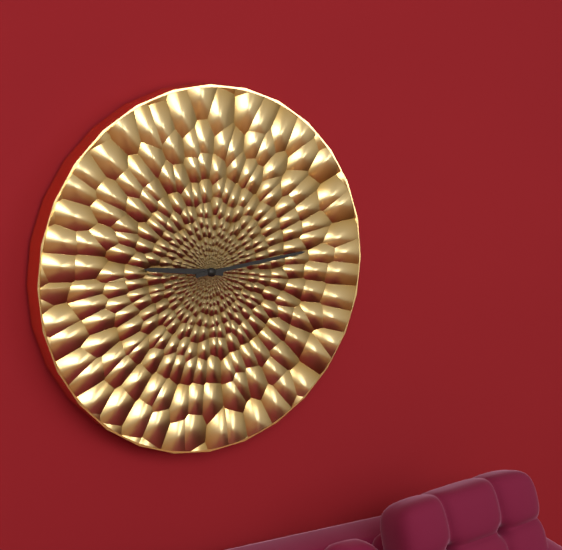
9:14
